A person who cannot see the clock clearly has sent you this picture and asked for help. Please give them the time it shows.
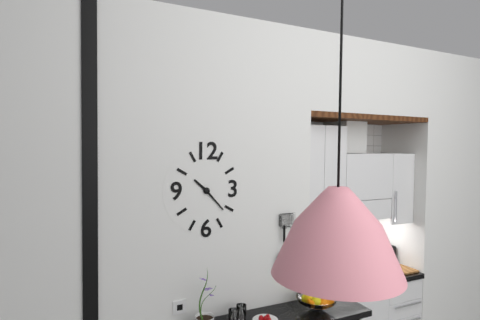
10:23
